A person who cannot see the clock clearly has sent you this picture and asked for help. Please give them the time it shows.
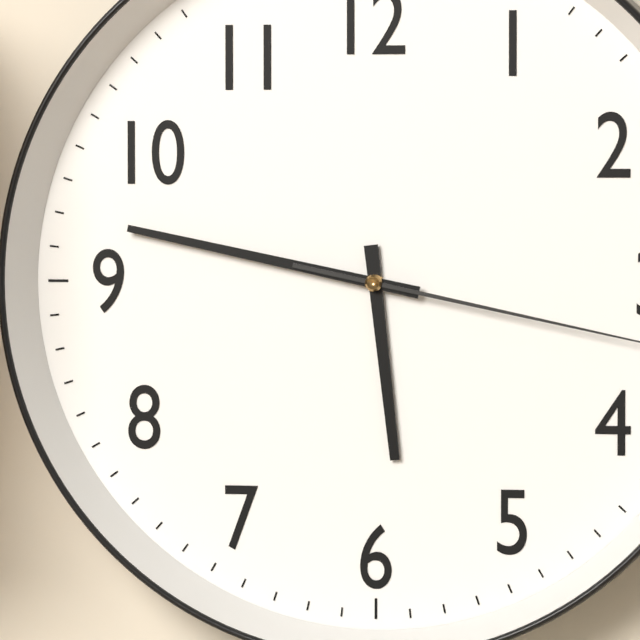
5:47
